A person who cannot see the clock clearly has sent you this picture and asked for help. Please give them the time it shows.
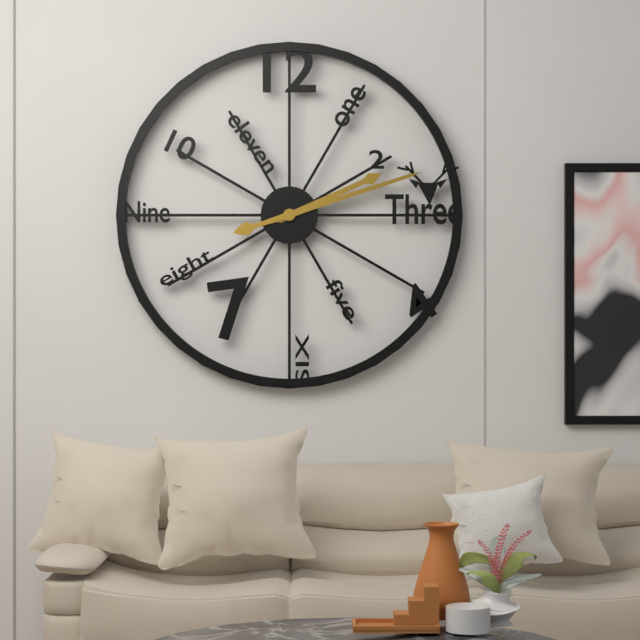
2:12
